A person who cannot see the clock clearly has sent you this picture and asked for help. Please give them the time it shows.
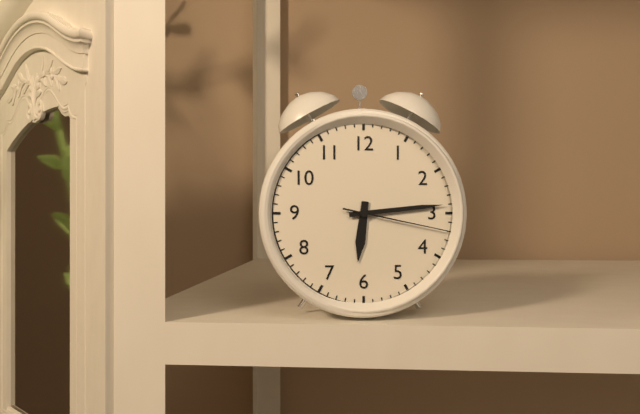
6:14:17
